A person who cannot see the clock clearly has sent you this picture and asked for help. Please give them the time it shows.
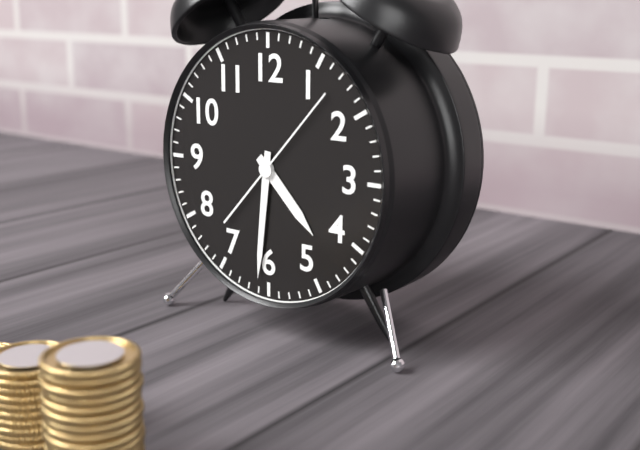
4:31:07
